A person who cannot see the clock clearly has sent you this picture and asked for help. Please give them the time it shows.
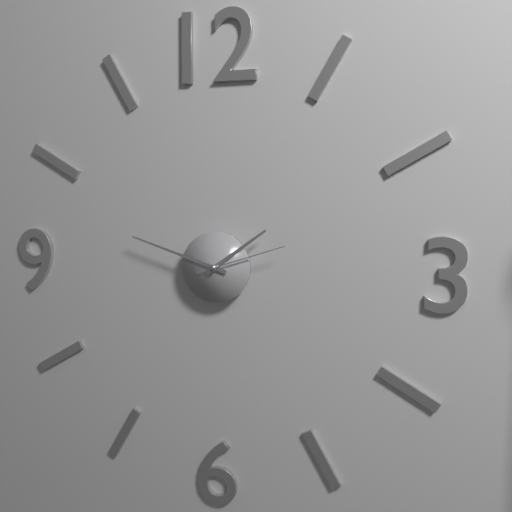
1:48:12
